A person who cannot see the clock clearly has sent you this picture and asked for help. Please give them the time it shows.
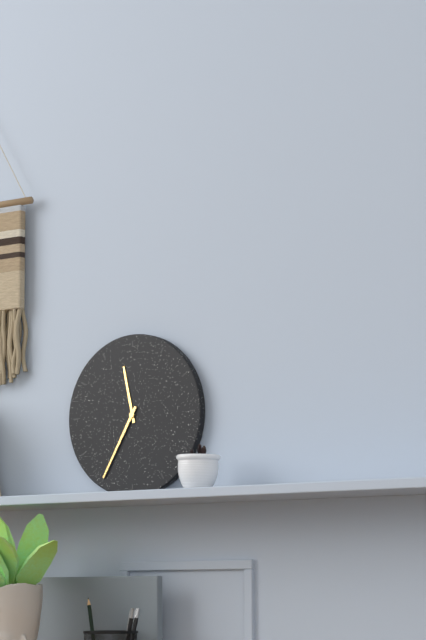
11:35
